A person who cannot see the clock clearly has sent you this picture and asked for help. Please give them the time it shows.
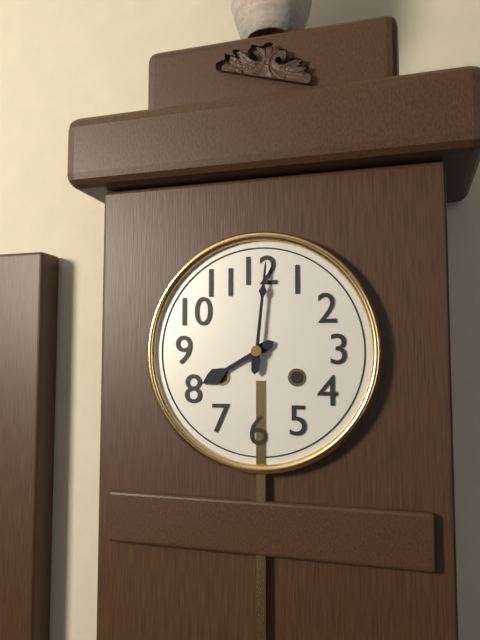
8:01
